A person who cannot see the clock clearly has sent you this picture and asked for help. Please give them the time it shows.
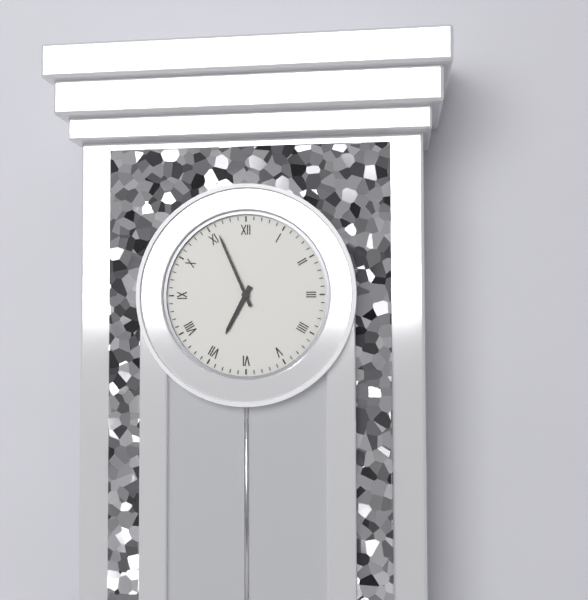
6:56
